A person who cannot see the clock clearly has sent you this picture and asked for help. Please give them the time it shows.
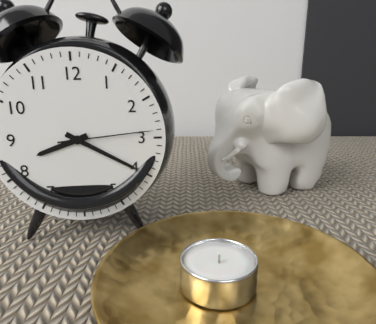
8:20:14
